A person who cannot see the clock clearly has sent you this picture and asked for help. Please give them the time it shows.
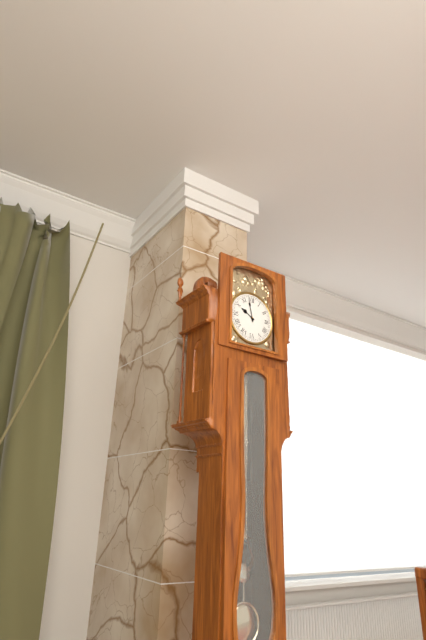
9:58
